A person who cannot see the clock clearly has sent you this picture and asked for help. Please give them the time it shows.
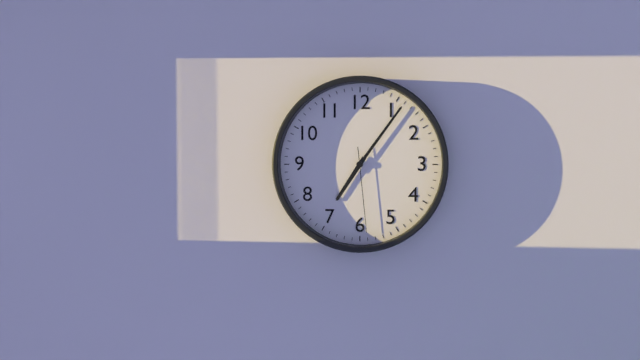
7:06:29
